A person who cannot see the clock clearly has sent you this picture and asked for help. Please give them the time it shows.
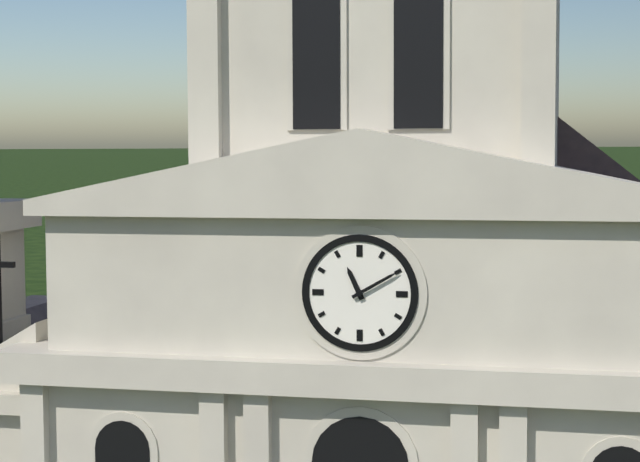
11:10
